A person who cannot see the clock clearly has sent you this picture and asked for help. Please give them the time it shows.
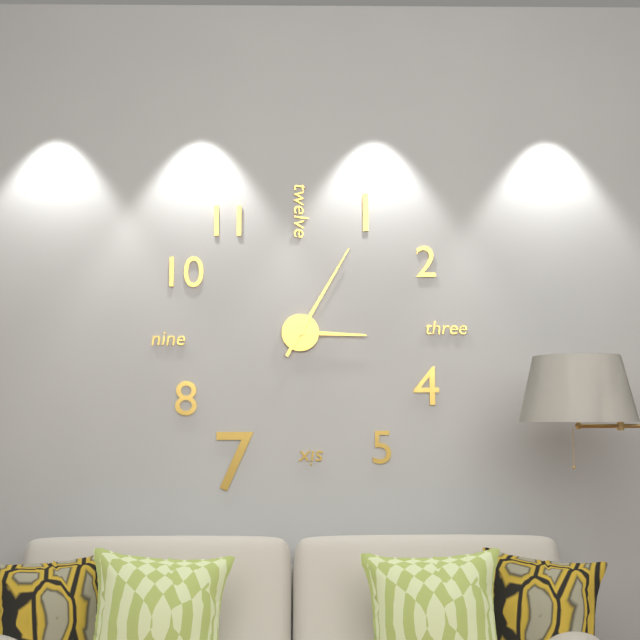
3:05
